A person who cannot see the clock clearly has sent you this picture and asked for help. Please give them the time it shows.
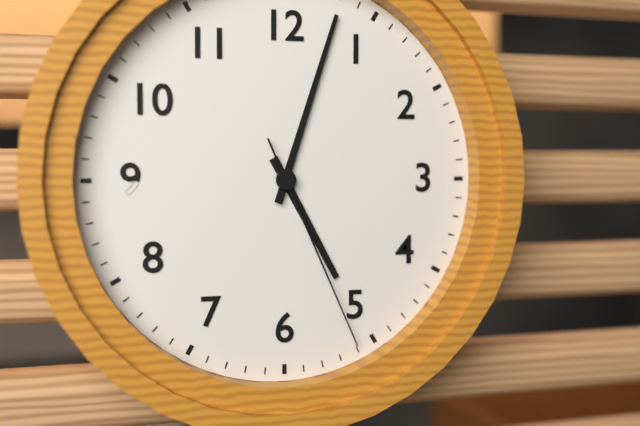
5:03:26
